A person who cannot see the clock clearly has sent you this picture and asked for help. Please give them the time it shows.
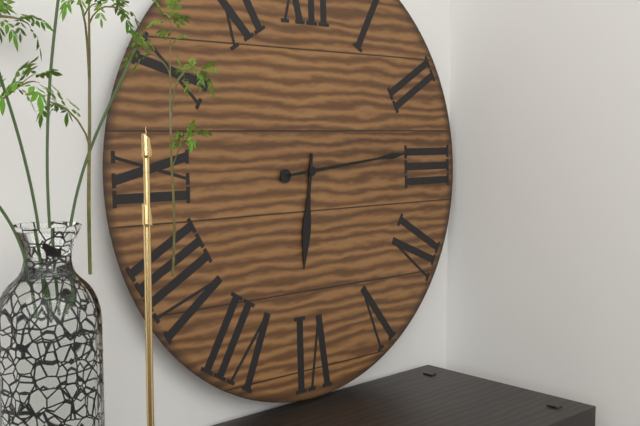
6:14
